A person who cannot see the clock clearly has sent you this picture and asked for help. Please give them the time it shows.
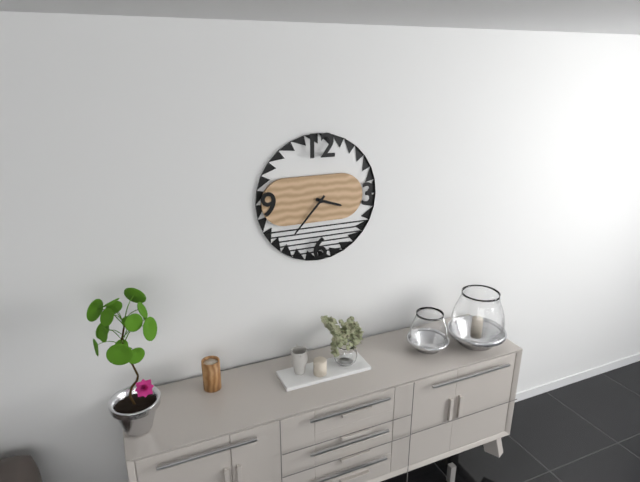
3:37
